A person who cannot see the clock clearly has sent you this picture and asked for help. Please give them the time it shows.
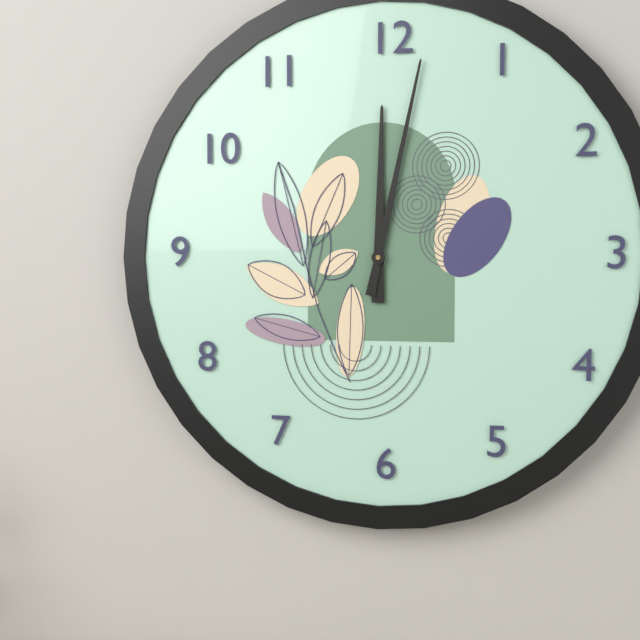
12:02
